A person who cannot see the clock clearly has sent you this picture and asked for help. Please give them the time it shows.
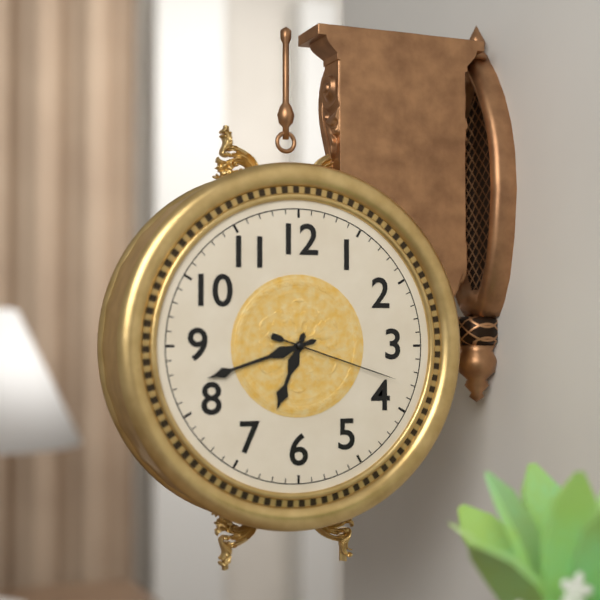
6:42:18
